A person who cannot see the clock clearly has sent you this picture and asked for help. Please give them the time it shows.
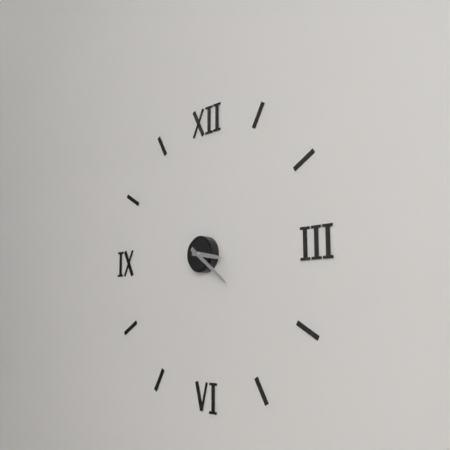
3:21
